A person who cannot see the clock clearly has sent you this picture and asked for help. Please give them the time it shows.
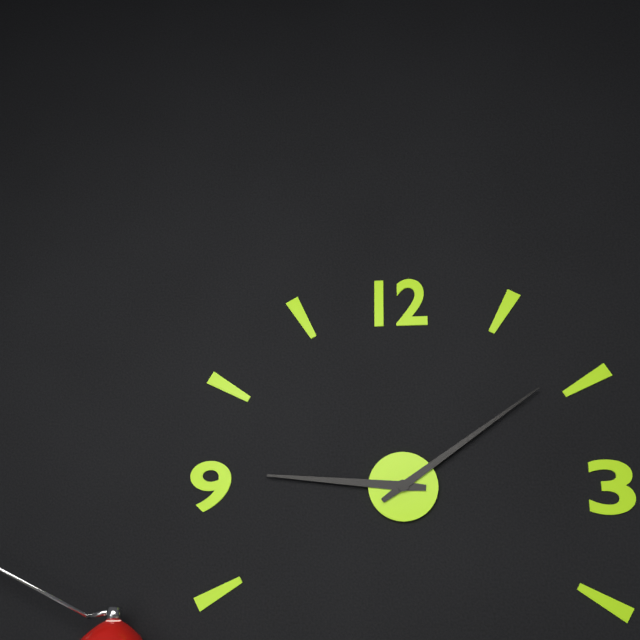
9:09
